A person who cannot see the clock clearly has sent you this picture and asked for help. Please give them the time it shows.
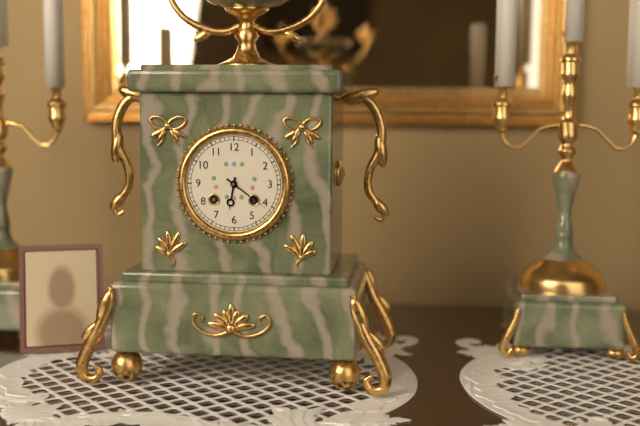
6:21
